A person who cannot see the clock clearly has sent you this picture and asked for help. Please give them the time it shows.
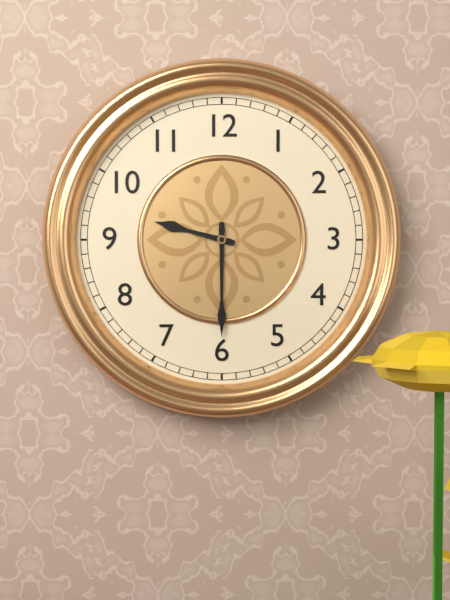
9:30
